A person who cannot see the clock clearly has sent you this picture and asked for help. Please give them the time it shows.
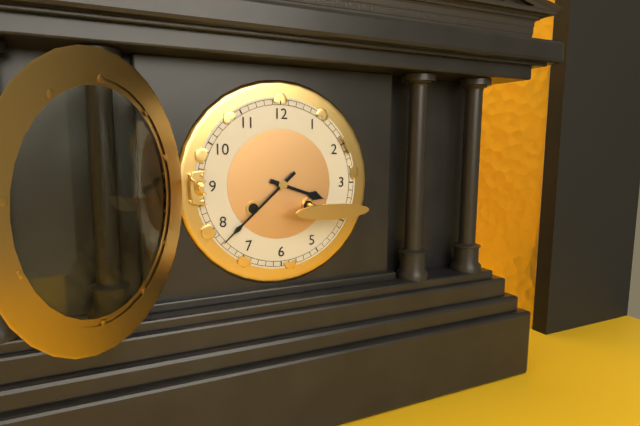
3:38
